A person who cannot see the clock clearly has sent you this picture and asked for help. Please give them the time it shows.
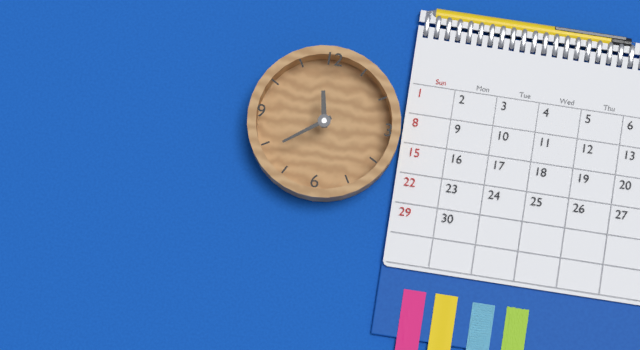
11:39
